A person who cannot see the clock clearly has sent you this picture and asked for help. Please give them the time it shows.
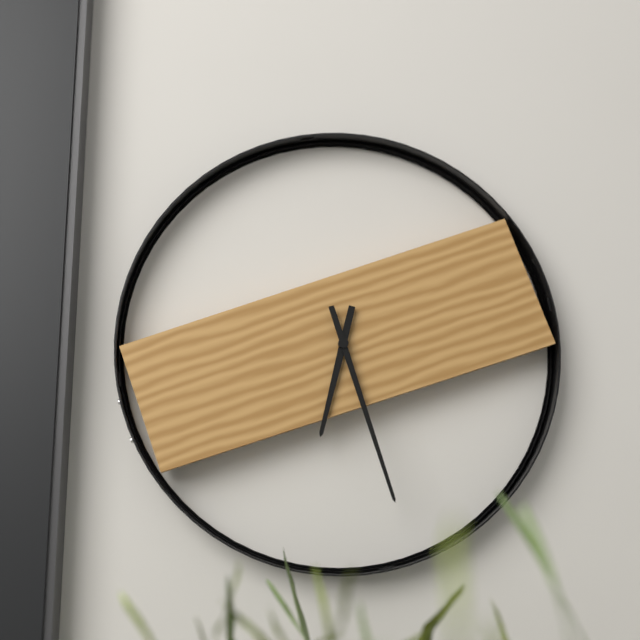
6:27
